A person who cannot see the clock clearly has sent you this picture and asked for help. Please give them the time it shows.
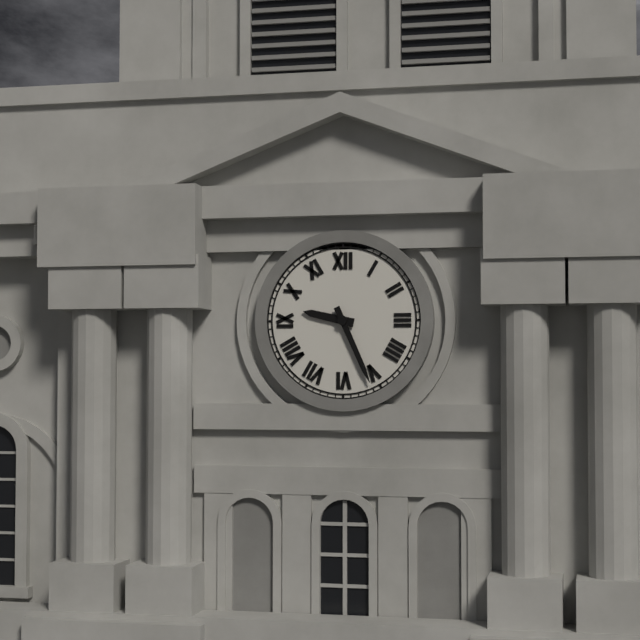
9:26
